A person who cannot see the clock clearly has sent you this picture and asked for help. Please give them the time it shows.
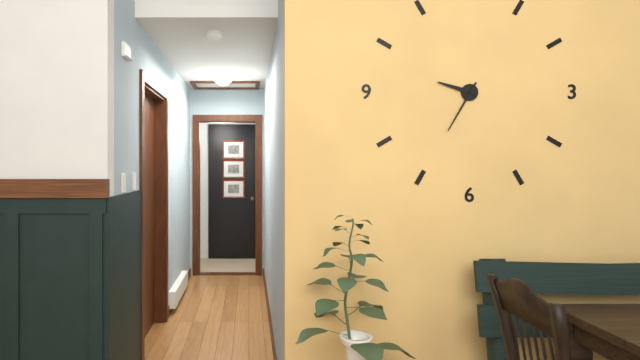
9:35
